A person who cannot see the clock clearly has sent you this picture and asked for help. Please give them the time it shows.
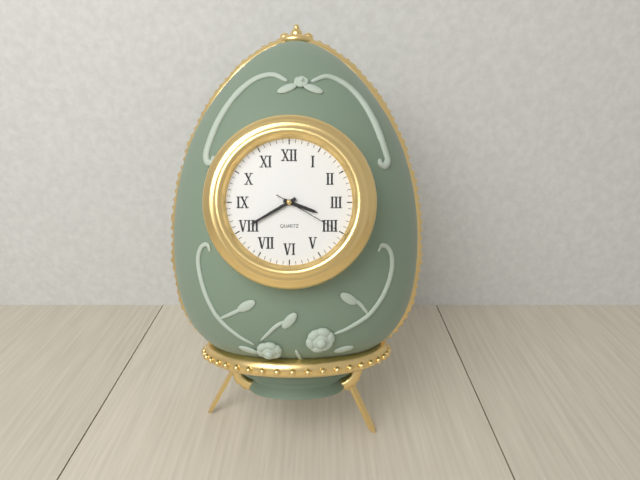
3:40:20
